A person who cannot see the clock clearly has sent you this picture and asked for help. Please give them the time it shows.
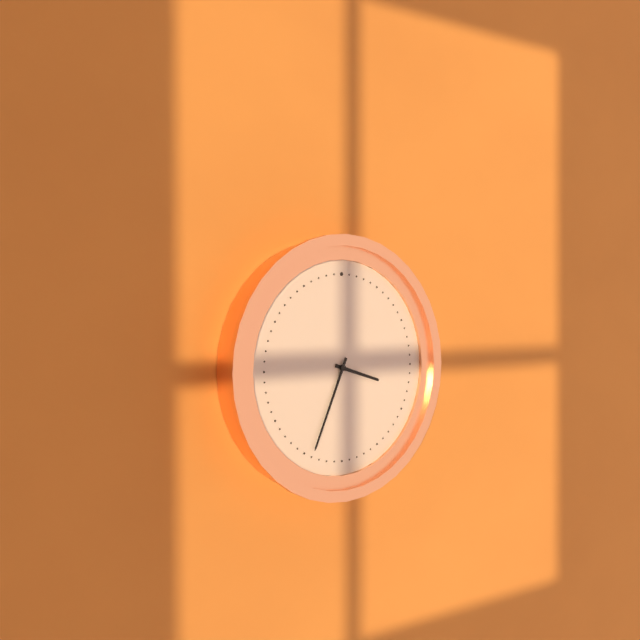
3:34
